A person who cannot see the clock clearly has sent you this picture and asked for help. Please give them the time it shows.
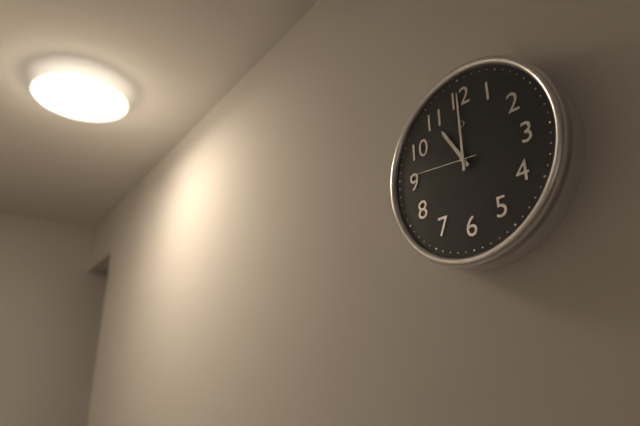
11:00:46
